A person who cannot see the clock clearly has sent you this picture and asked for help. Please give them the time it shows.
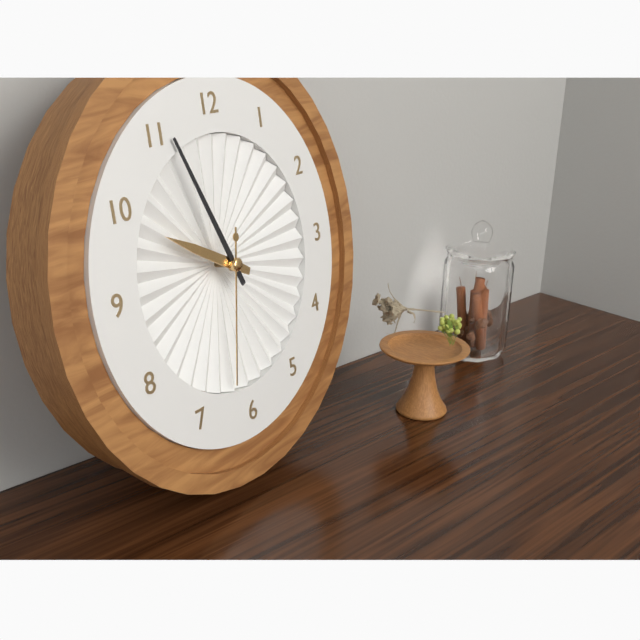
9:56:32
